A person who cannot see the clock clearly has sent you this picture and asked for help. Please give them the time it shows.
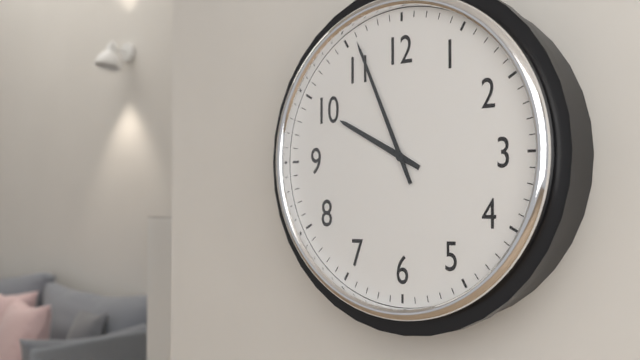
9:56
